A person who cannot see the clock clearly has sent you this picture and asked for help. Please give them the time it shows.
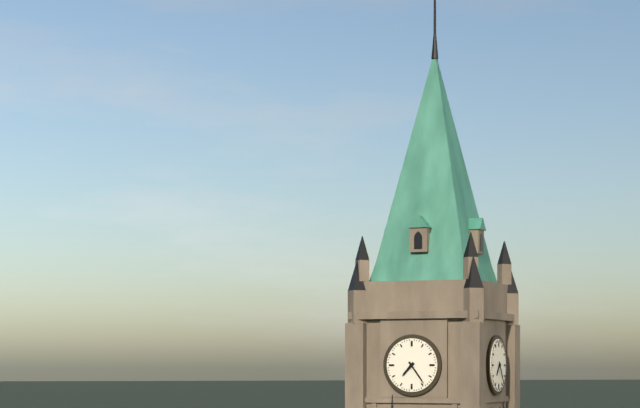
7:24
